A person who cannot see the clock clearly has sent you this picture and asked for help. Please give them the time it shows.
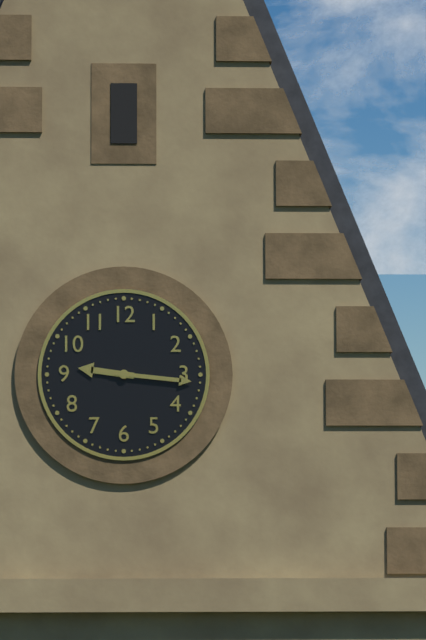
9:16
